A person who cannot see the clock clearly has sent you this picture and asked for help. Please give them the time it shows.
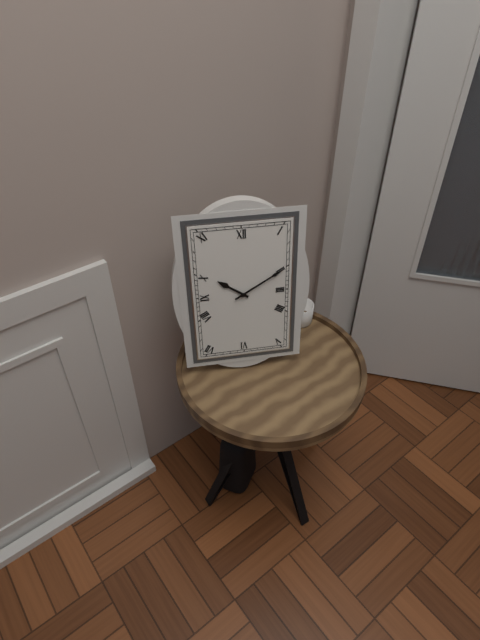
10:10
